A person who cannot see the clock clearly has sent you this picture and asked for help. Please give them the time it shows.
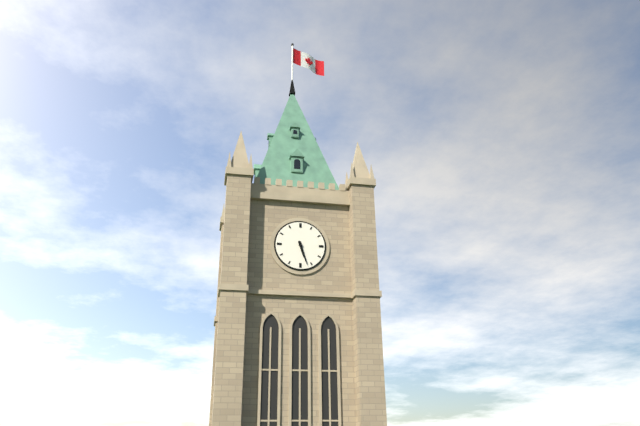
5:27
